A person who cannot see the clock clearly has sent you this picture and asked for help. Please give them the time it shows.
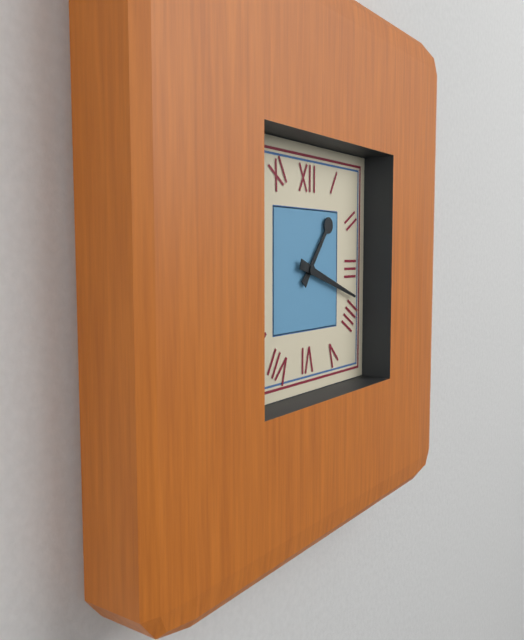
1:18
